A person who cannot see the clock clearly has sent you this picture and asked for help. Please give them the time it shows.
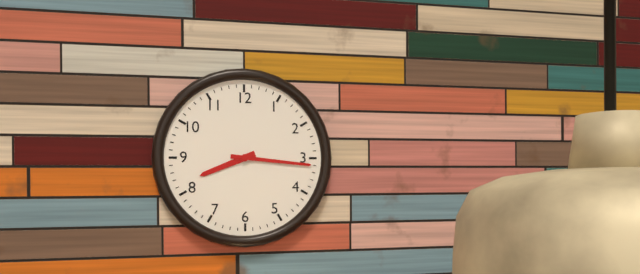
8:16
